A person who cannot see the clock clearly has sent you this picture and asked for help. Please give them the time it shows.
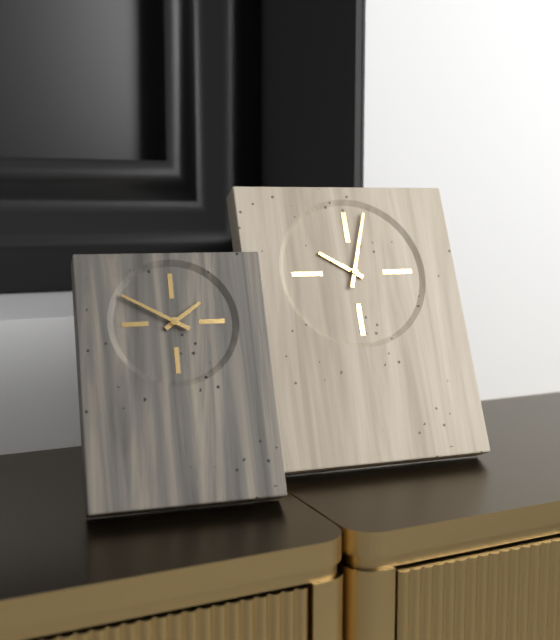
10:03
